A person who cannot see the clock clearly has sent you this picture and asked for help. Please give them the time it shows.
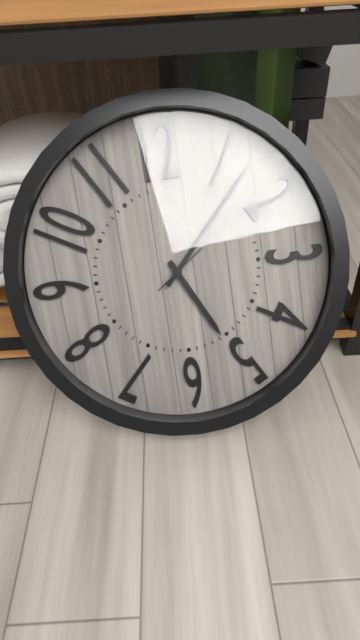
5:07:09
